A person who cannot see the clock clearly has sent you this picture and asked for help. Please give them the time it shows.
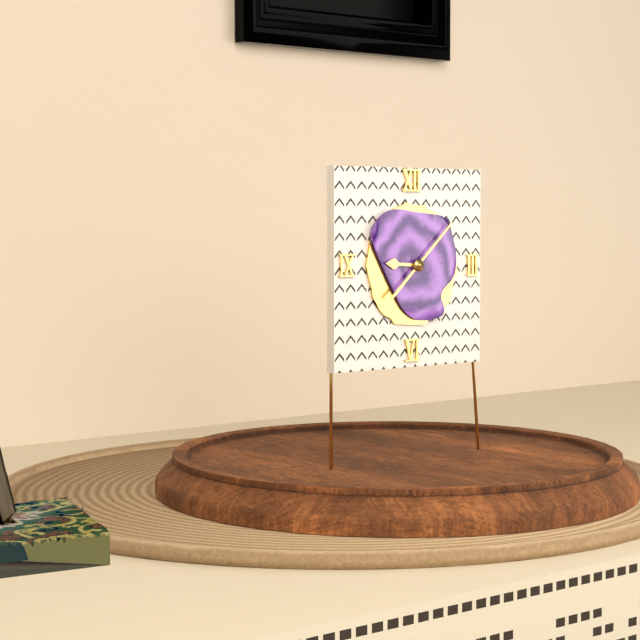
9:08
